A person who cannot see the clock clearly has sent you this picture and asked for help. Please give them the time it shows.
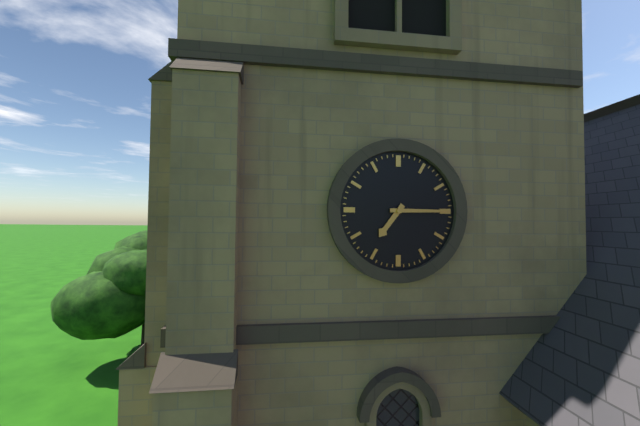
7:15
